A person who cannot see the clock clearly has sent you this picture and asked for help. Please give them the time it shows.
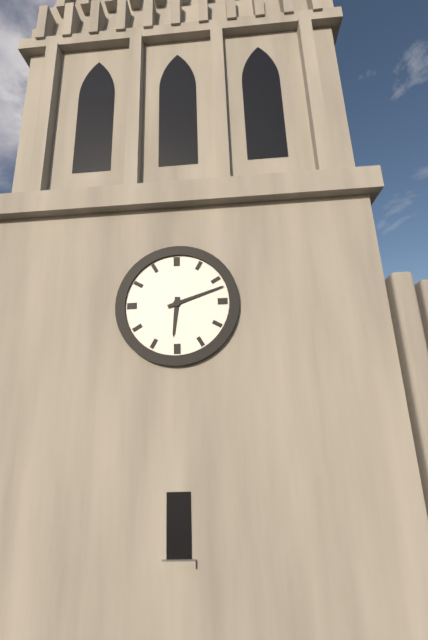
6:12
